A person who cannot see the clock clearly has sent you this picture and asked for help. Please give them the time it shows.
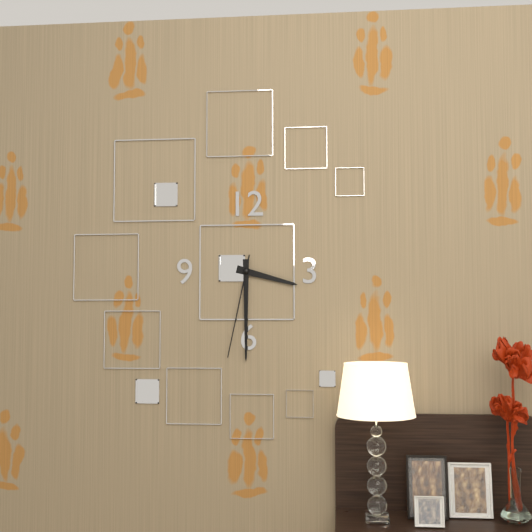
3:30:32
